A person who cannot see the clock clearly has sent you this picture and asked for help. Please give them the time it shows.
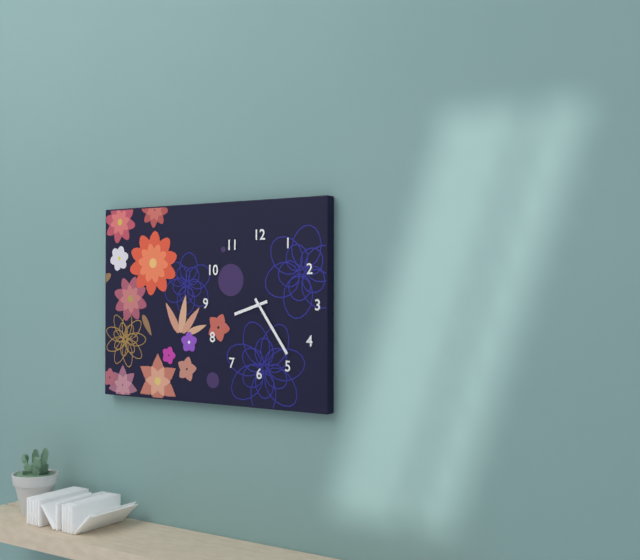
8:24
